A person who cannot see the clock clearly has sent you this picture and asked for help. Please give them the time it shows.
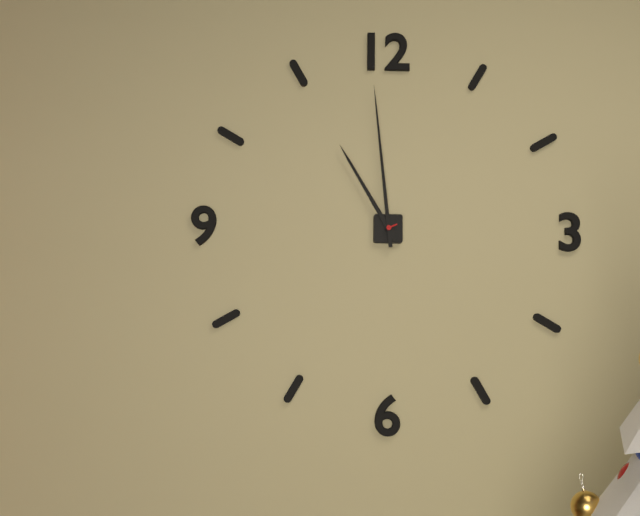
10:59
